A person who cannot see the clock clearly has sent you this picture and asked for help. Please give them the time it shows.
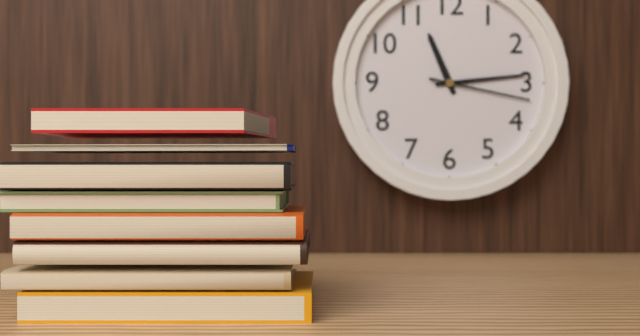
11:14:17
